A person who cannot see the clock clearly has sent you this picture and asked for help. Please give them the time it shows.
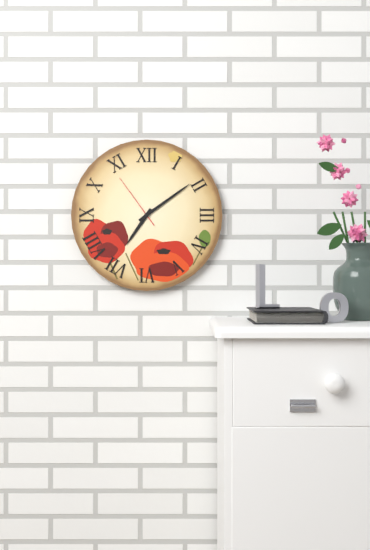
7:09:54
